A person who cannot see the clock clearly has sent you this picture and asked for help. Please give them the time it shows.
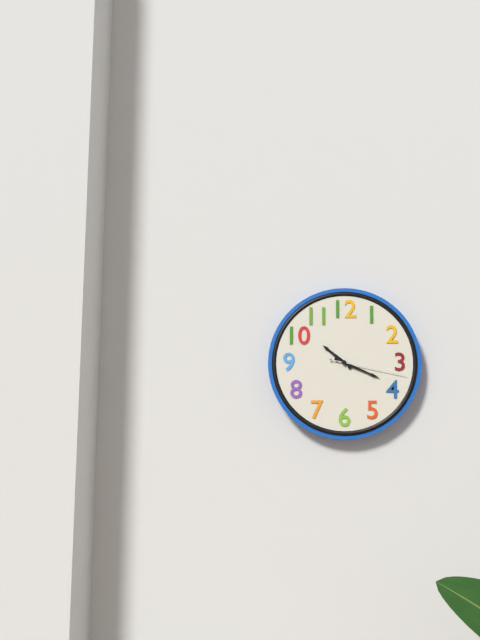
10:19:17
